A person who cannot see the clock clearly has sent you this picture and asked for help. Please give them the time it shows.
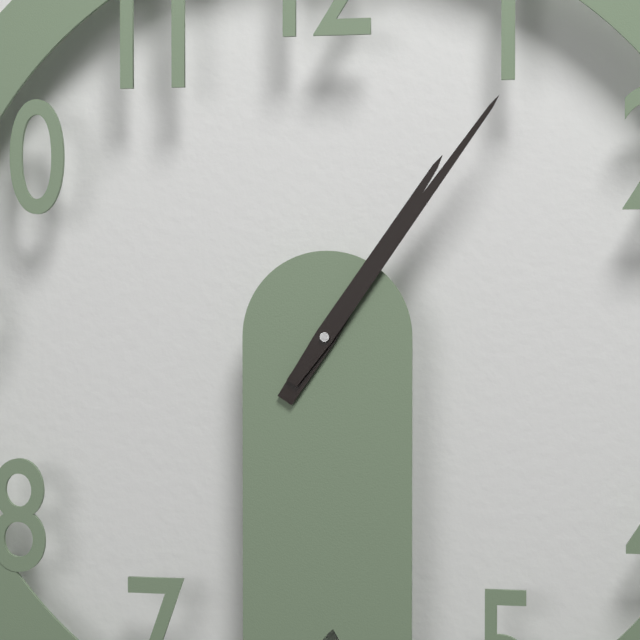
1:06
